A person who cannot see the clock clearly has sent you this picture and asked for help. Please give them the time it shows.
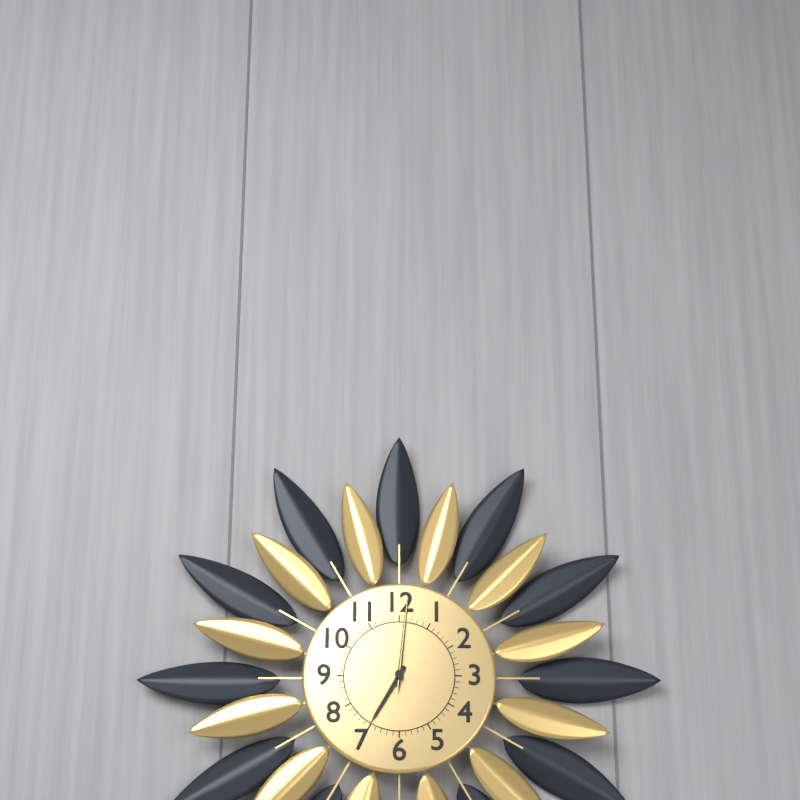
7:01:01
